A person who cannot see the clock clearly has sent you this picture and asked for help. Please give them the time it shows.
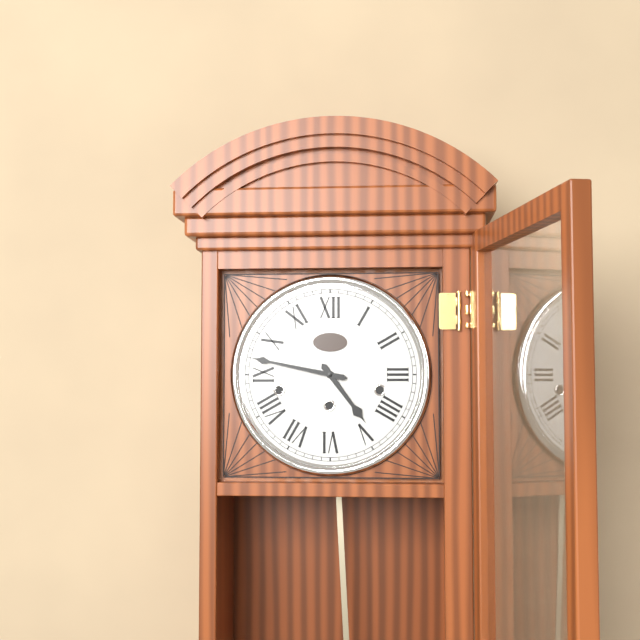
4:47
